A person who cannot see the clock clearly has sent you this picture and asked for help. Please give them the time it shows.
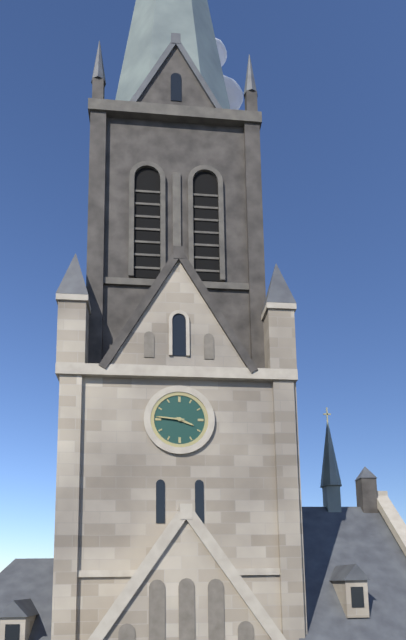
3:46
